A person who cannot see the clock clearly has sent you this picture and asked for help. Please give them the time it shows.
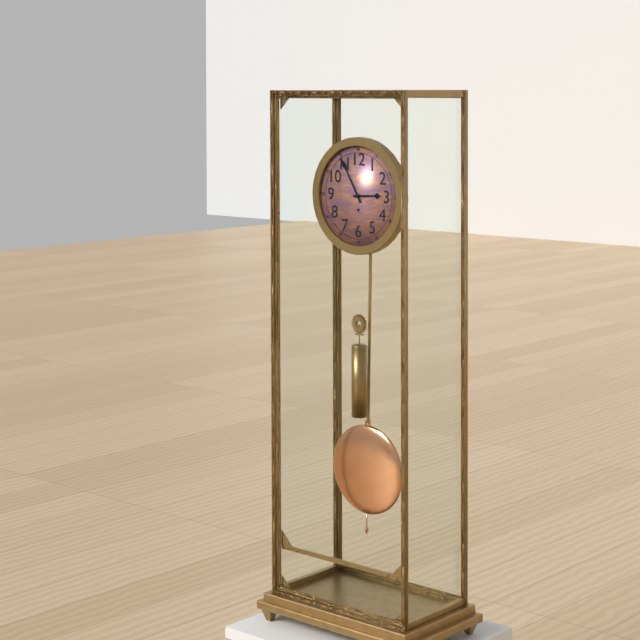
2:55
